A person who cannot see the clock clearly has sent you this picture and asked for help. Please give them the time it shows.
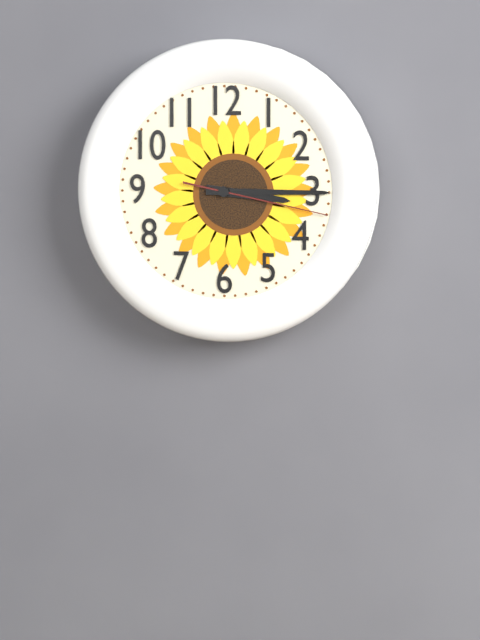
3:15:17
